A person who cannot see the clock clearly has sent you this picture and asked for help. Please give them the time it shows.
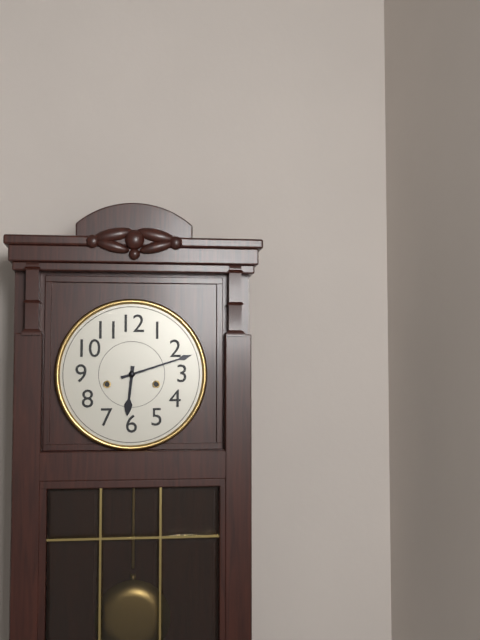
6:12
